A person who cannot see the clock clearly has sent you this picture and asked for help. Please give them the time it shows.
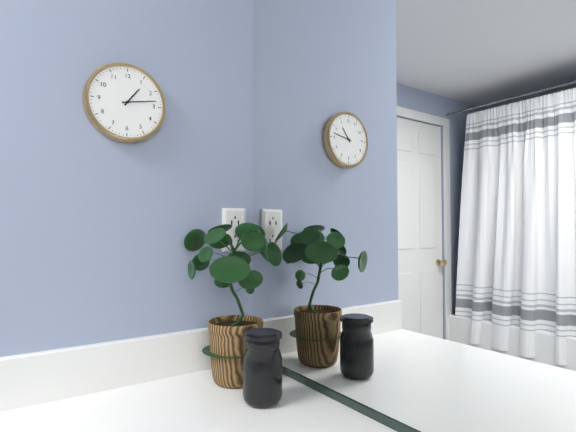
1:13
